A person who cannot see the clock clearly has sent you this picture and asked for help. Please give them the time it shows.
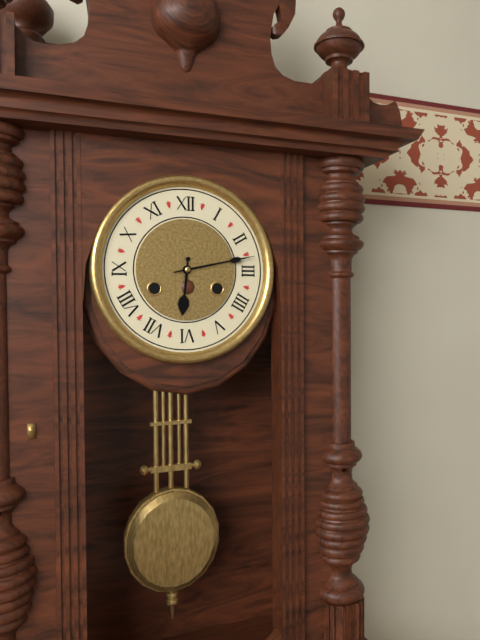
6:13
